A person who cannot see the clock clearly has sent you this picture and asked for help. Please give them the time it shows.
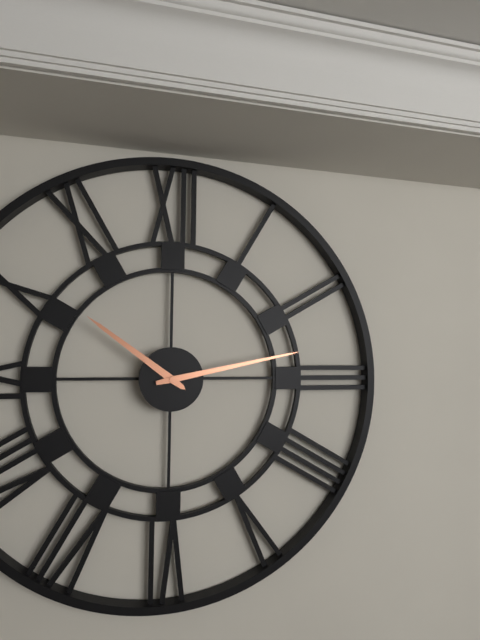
10:13
